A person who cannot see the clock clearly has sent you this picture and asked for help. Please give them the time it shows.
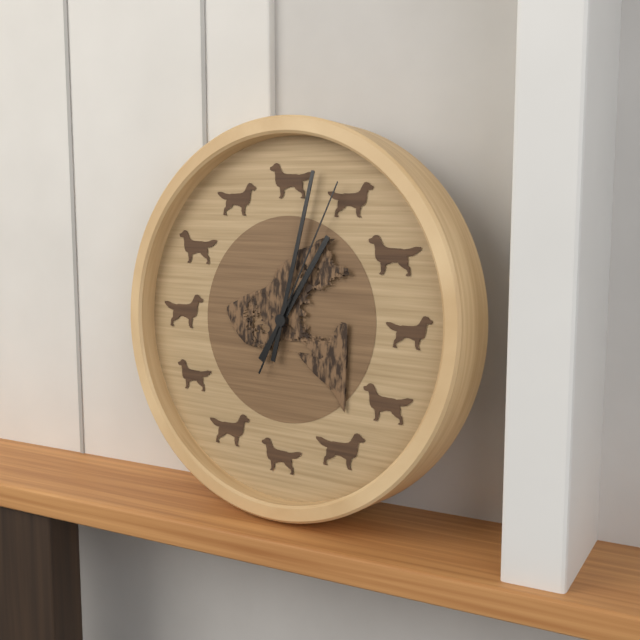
1:02:04
